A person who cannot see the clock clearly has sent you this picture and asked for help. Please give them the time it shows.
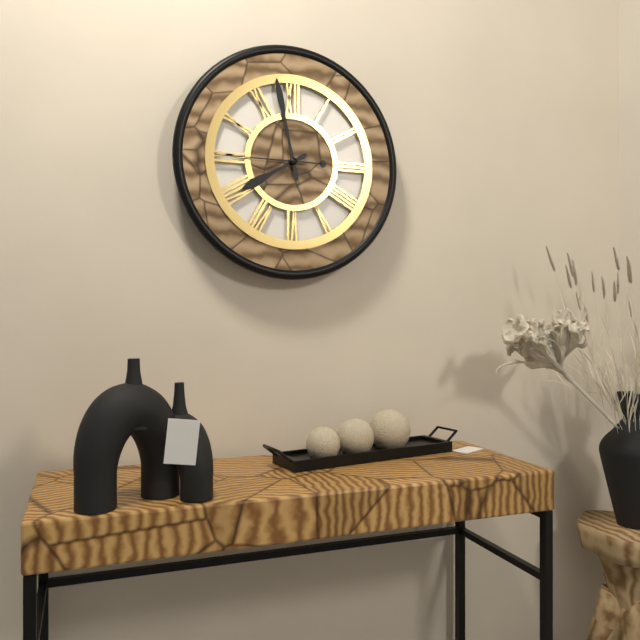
7:58:45
